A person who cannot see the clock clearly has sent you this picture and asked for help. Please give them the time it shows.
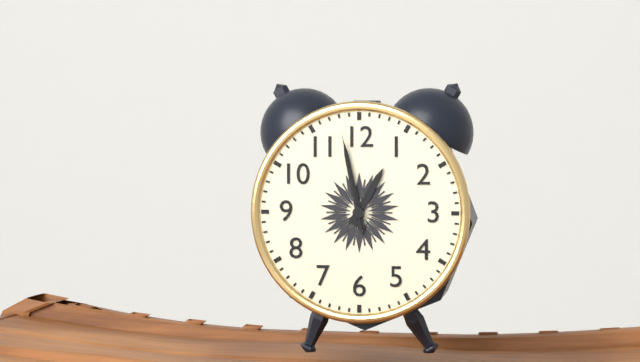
12:58:58
